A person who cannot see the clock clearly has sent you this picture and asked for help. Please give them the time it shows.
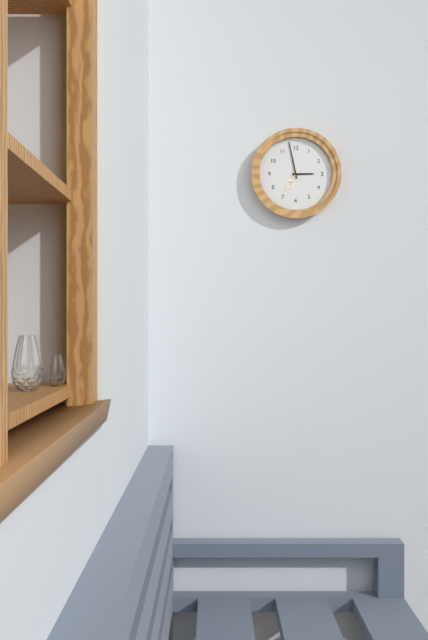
2:58
